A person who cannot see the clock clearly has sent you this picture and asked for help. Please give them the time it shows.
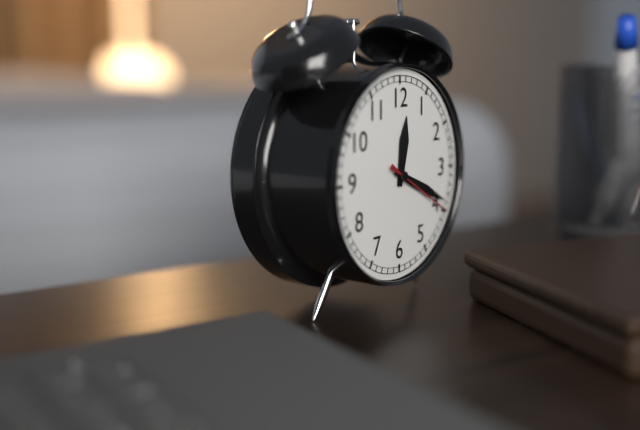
12:19:20
